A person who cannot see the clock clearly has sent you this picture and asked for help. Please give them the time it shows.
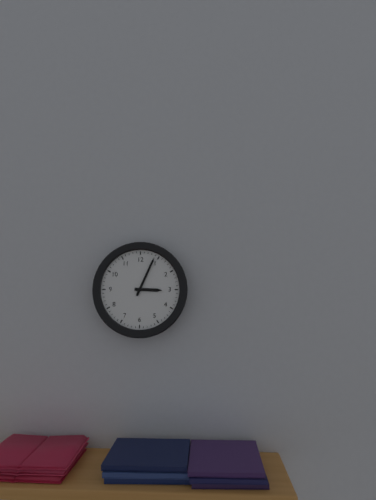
3:04
